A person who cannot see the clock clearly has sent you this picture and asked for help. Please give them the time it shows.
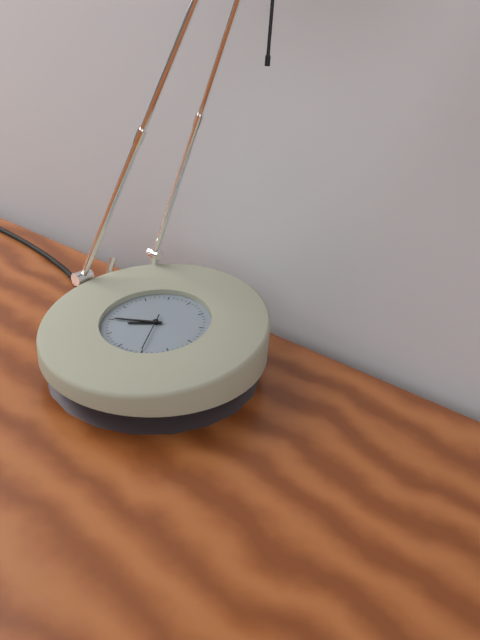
7:40
